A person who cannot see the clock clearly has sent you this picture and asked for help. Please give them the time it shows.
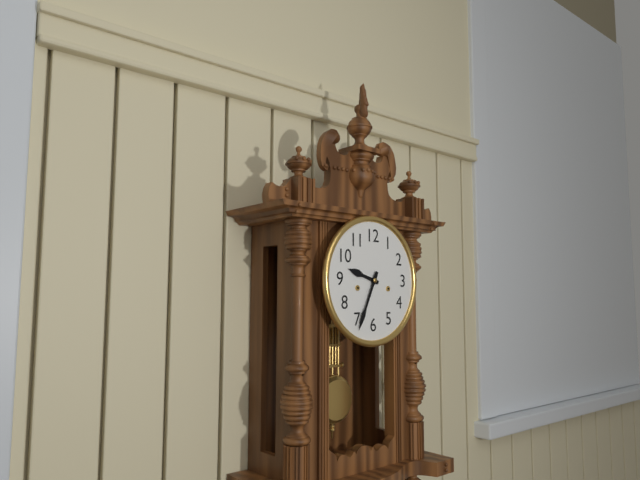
9:34
